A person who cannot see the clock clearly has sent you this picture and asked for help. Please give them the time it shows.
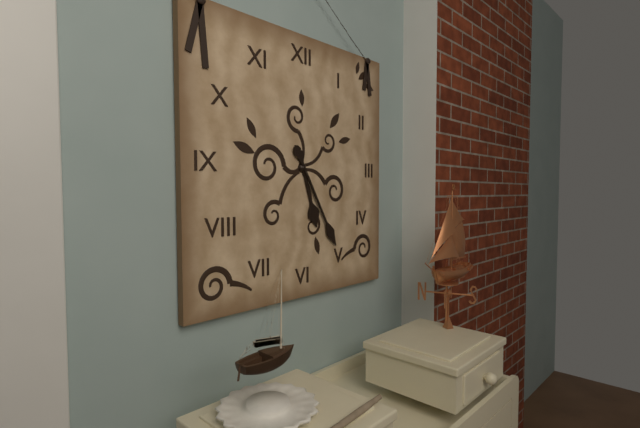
5:25
